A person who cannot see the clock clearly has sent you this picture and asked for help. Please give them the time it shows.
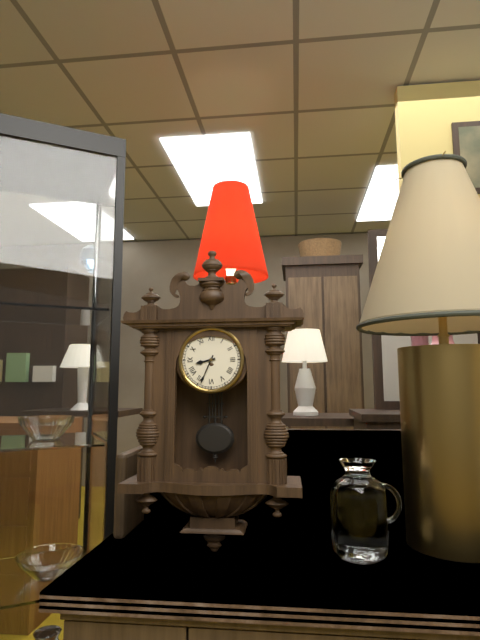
8:34
